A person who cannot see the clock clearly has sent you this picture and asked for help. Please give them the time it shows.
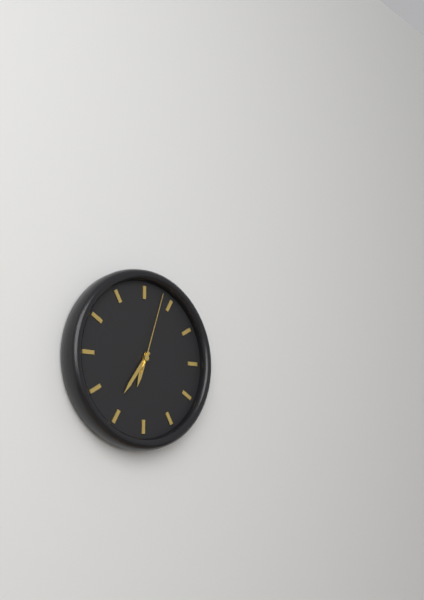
6:36:03
